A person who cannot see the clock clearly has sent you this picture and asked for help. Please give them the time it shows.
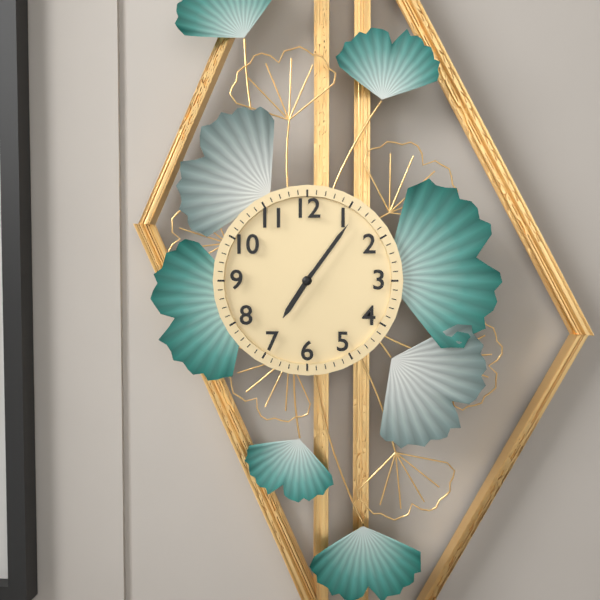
7:06
